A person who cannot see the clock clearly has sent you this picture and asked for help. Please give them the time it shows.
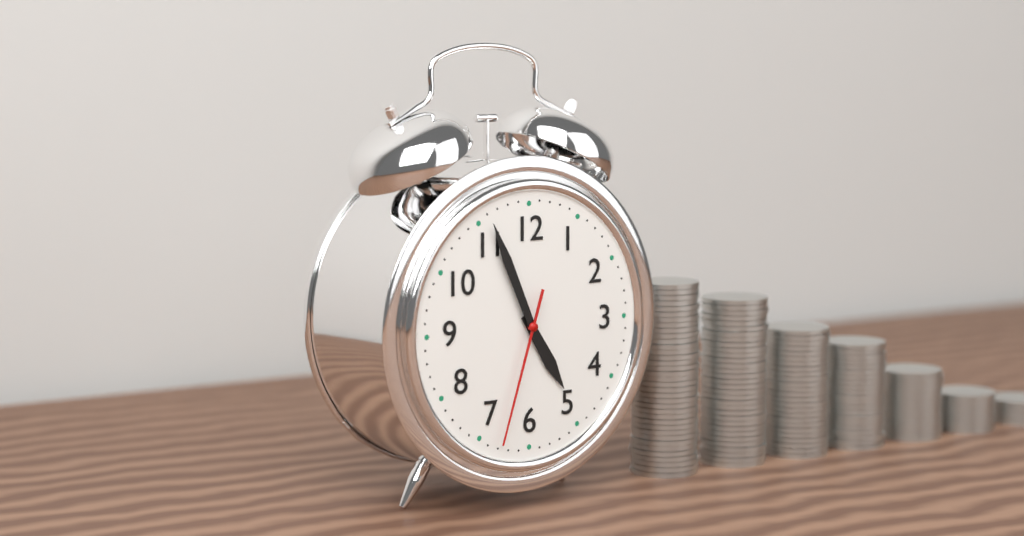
4:56:33
